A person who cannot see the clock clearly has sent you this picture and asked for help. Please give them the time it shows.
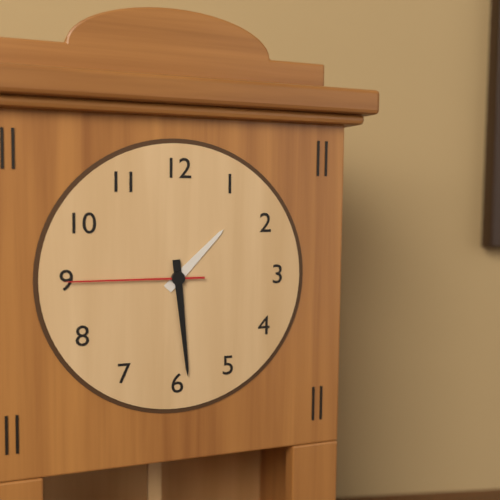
1:29:45
